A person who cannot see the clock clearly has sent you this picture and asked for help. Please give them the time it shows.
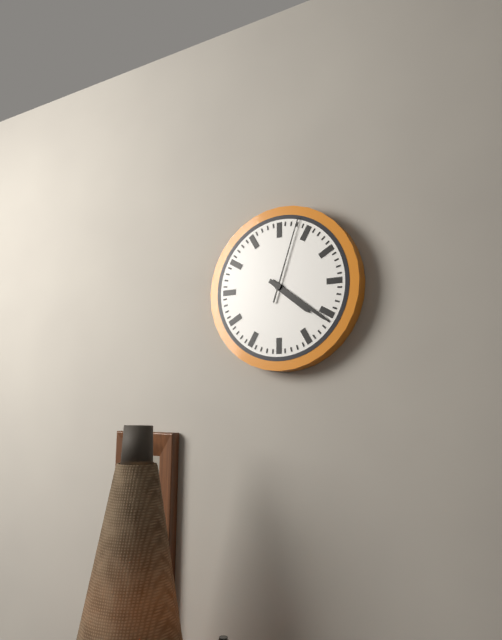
4:21:03
